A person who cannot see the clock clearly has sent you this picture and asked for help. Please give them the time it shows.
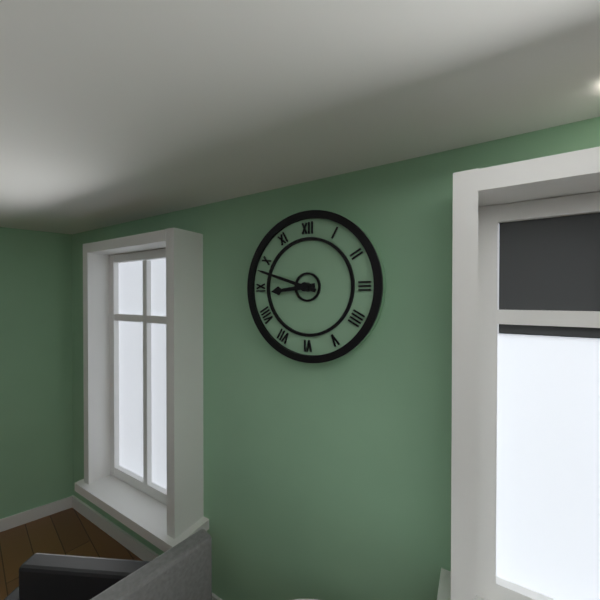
8:48
